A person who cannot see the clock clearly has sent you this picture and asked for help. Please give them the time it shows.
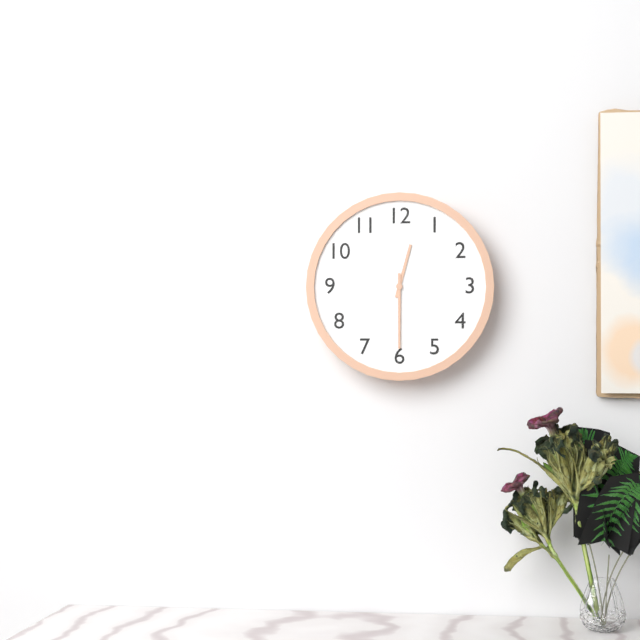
12:30
